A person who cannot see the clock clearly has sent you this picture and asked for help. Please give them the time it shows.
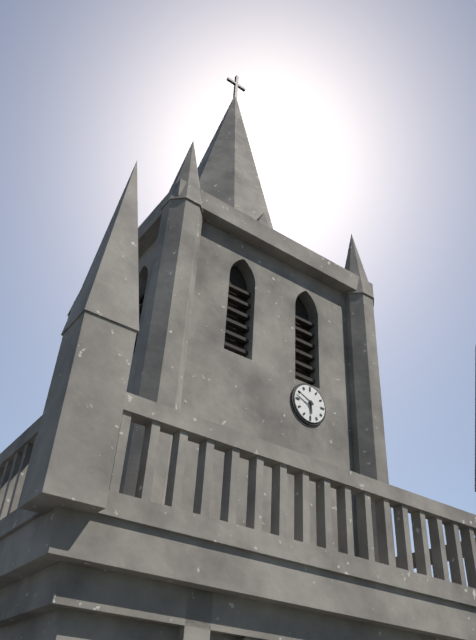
5:49
